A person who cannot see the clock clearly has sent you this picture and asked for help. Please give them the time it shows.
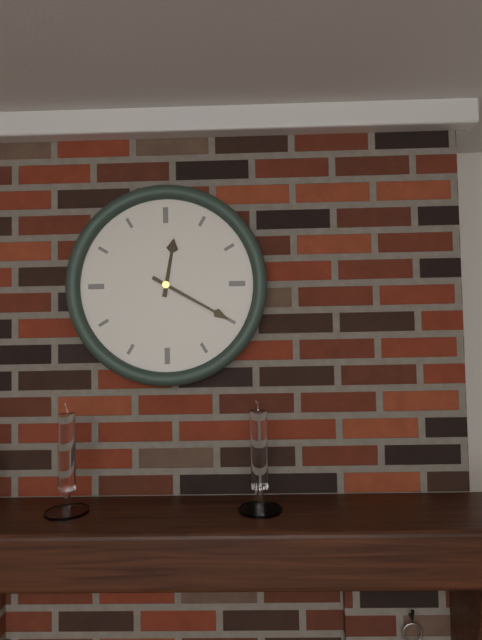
12:20
